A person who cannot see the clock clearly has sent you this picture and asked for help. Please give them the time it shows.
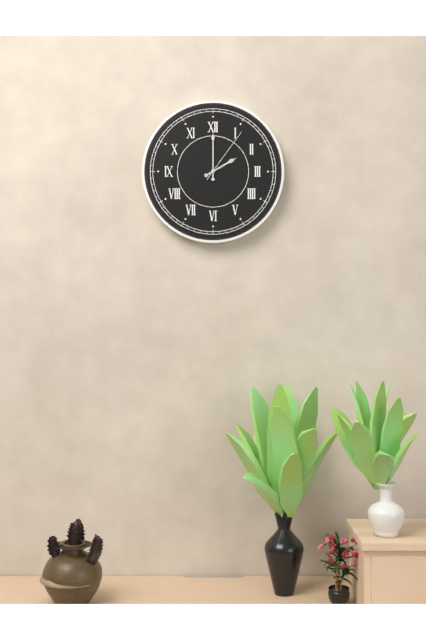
2:00:06
